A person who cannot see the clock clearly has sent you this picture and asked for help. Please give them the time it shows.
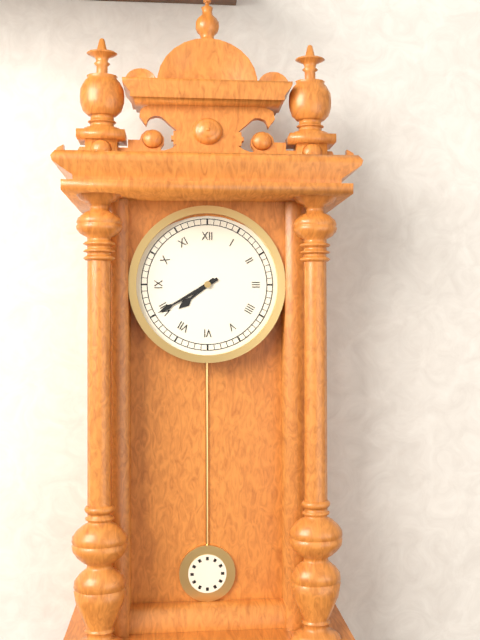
7:40
